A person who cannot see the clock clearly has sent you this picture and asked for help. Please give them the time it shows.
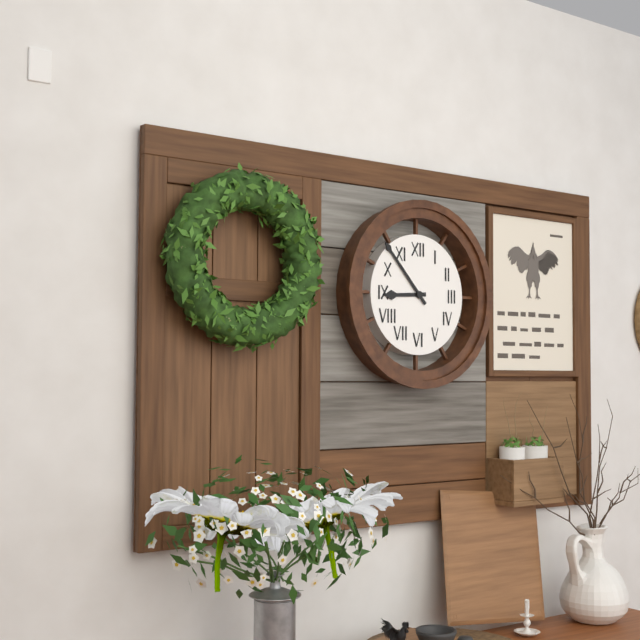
8:53
